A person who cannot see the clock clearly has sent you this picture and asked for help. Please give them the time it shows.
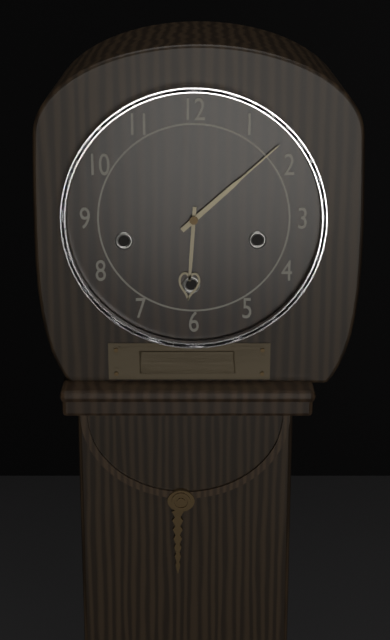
6:08
